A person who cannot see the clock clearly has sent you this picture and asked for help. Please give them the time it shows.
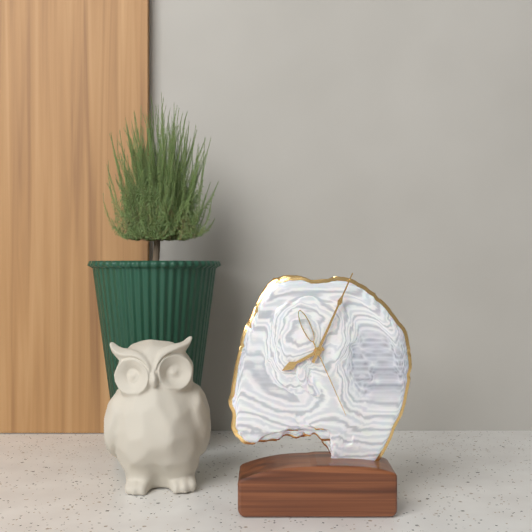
8:04:26
